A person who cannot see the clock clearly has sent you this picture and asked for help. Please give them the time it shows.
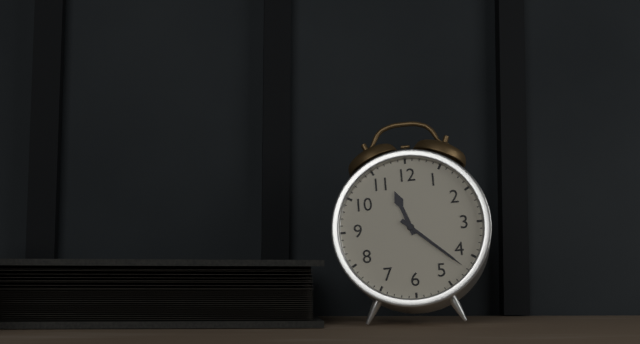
11:22
